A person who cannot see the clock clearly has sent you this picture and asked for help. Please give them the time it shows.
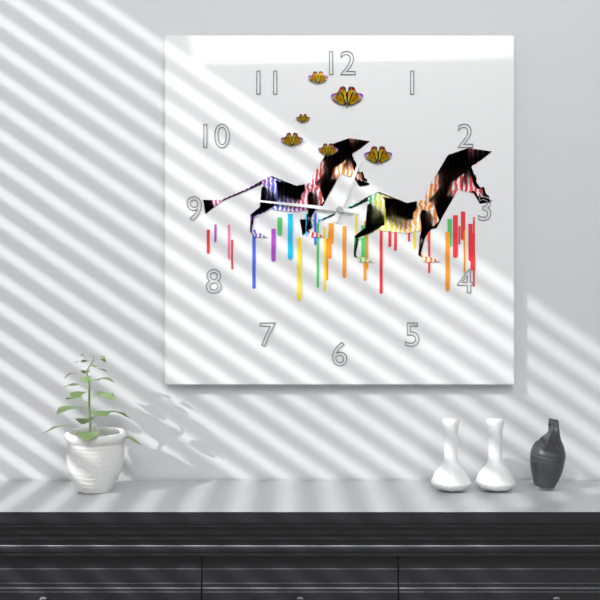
12:46
